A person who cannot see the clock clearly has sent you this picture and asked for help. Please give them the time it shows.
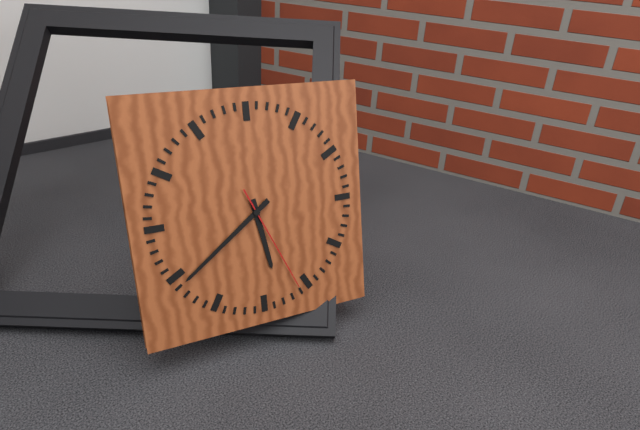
5:39:26
